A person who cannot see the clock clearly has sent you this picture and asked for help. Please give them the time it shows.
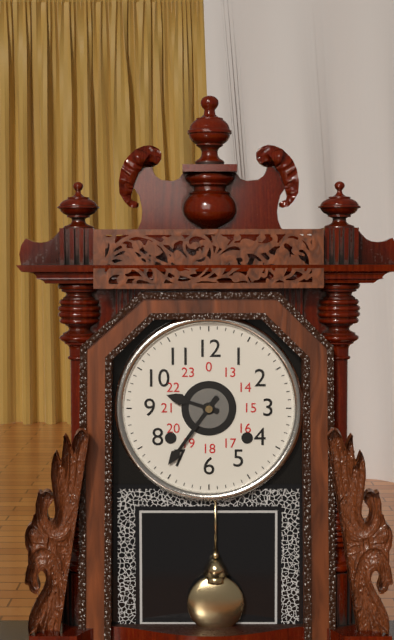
9:36
